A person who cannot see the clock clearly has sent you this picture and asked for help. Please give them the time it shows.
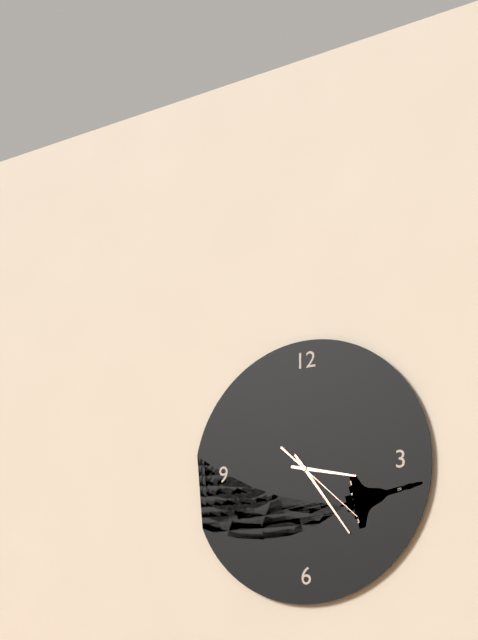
3:24:22
